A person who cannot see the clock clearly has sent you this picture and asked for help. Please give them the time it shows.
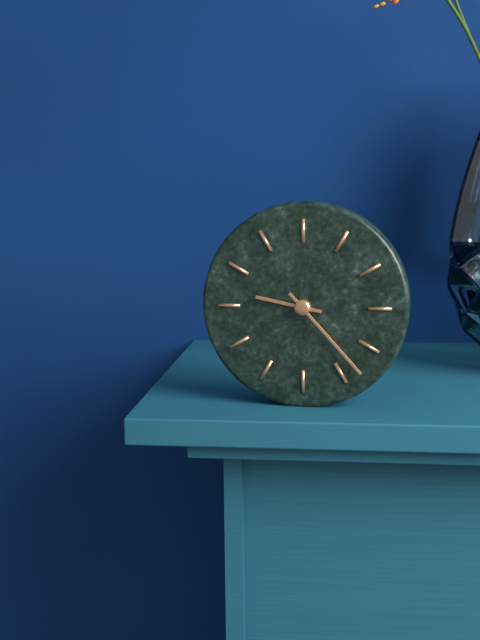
9:23
